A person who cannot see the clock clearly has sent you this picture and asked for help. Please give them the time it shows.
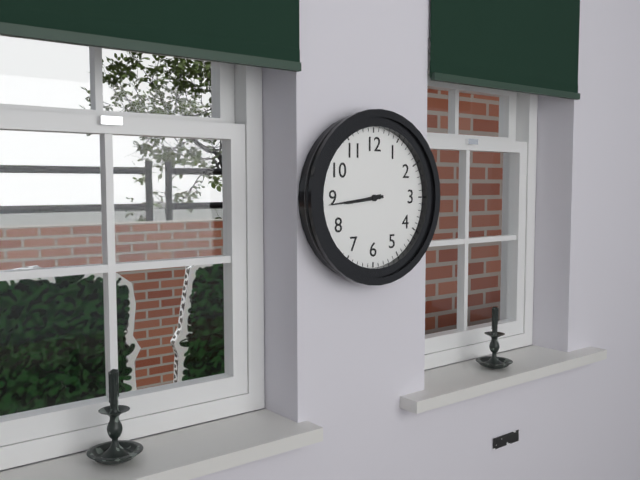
8:44
